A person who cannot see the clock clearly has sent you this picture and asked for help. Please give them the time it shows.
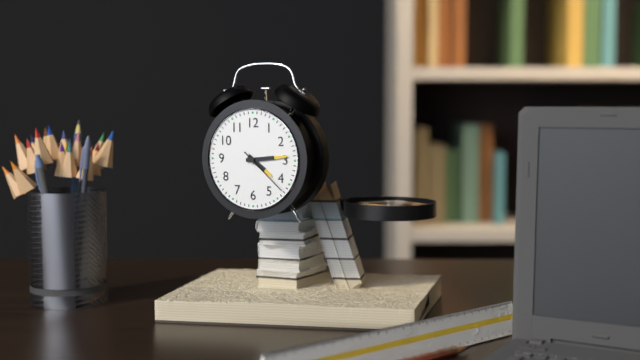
4:14:22
